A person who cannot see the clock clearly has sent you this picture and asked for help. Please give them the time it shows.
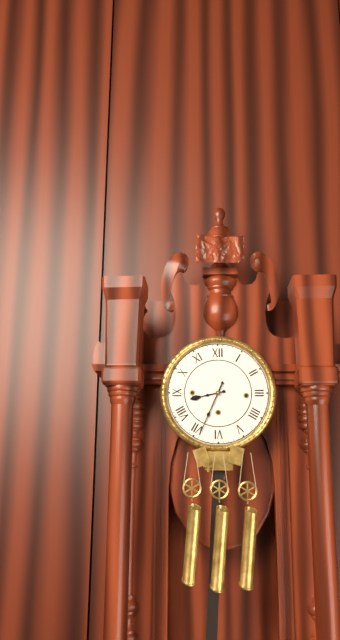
8:34
